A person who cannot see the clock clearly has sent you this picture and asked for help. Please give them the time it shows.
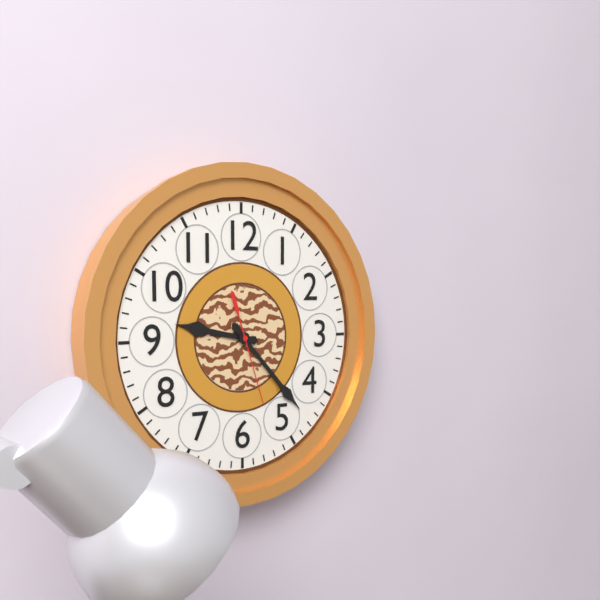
9:23:27
